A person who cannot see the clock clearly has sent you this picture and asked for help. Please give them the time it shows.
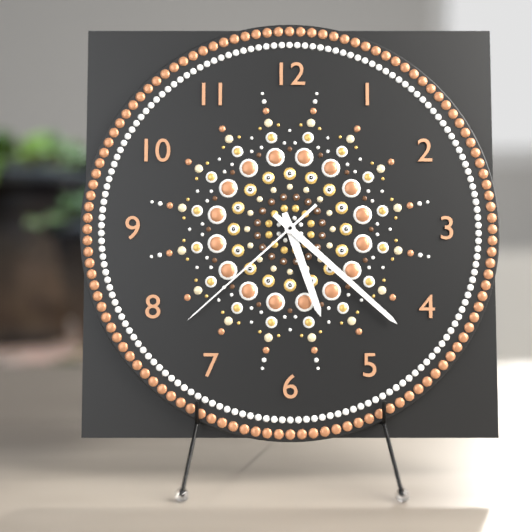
5:22:38
